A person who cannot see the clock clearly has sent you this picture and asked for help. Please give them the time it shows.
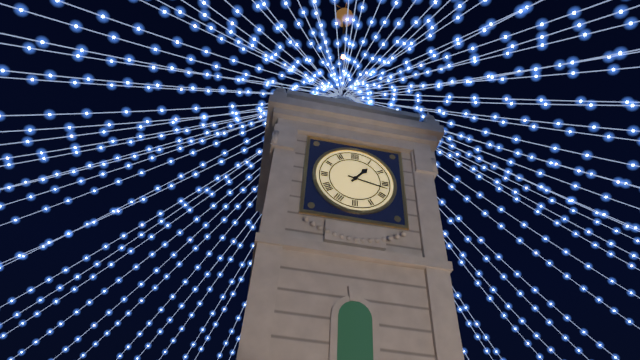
1:17
